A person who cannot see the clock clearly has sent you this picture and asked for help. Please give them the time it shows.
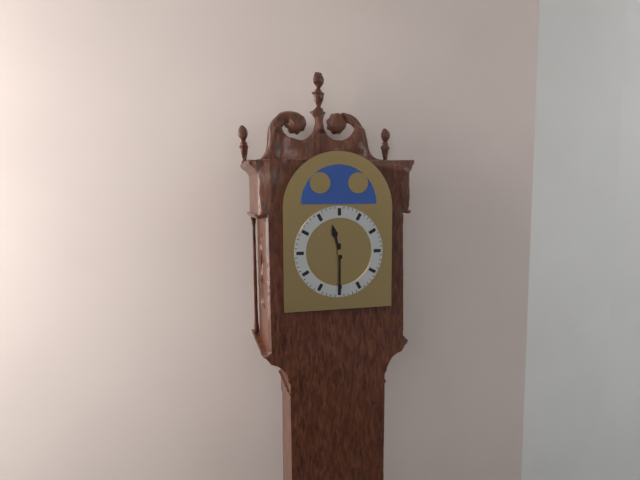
11:30
